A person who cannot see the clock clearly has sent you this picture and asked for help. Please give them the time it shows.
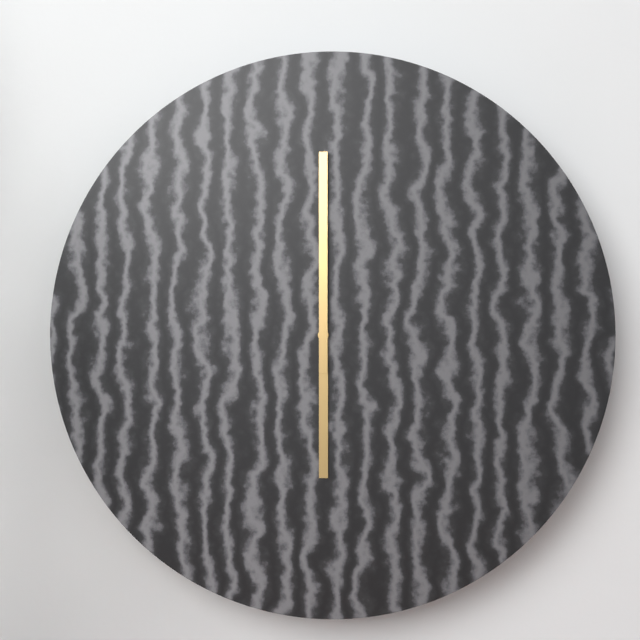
6:00
